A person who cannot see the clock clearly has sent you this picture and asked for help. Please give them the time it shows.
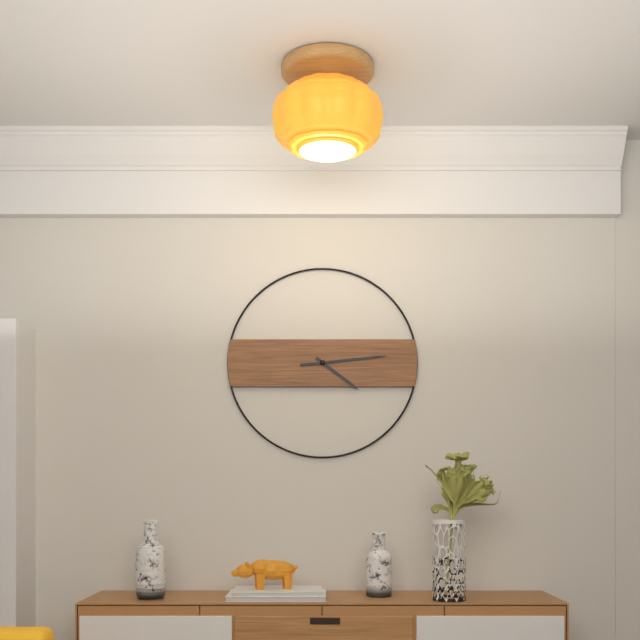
4:14
